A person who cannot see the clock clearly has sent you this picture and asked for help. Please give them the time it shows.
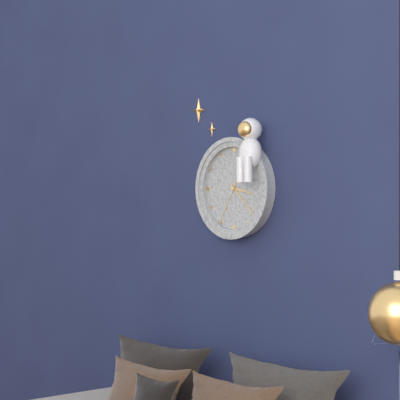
3:22
